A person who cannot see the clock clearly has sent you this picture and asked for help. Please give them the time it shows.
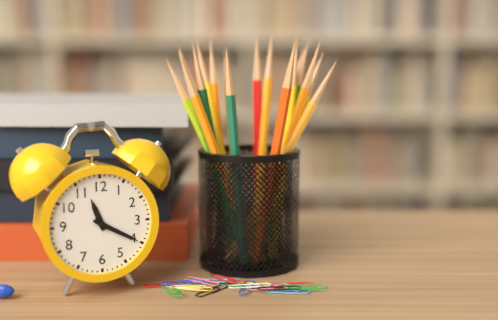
11:20
